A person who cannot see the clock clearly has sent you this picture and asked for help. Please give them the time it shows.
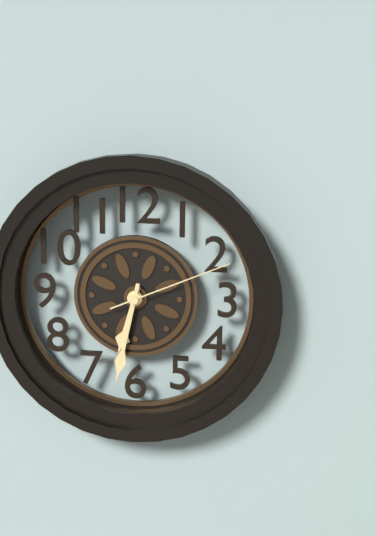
6:32:11
